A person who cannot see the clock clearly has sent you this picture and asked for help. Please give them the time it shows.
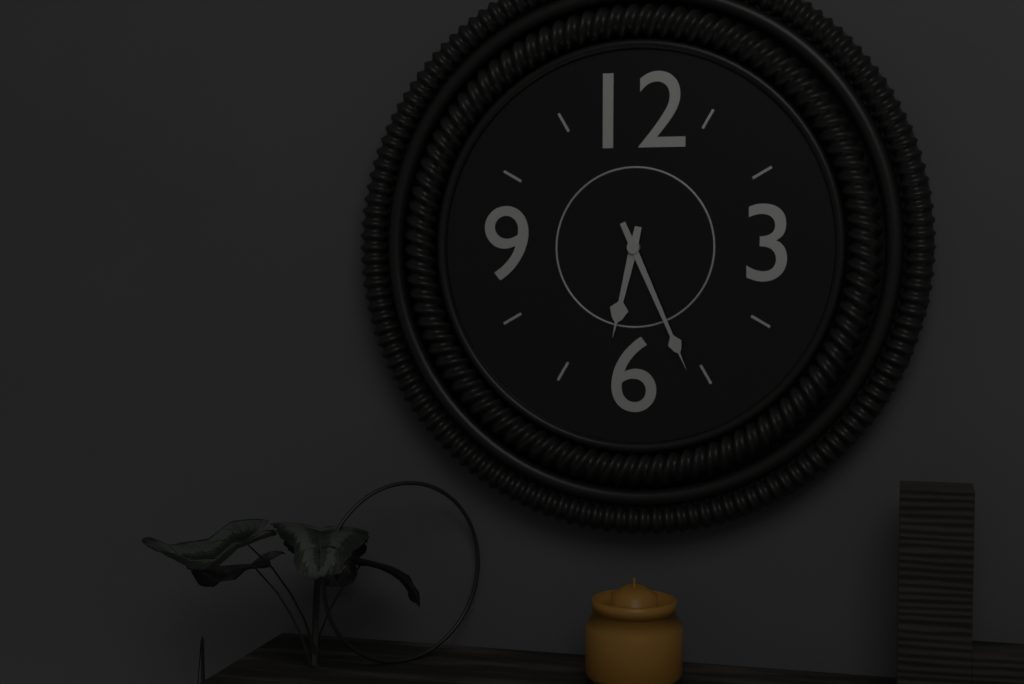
6:26
